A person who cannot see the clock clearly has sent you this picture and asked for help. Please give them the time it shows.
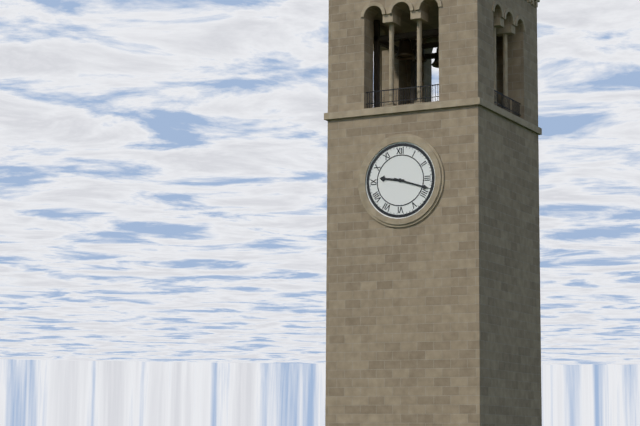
9:18
